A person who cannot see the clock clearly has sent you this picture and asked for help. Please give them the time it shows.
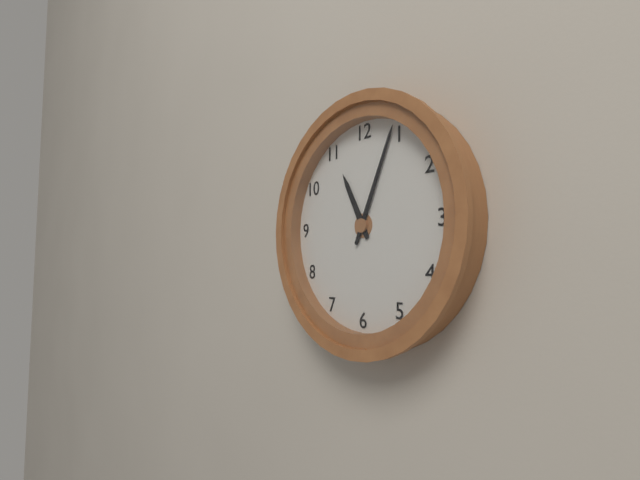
11:04
